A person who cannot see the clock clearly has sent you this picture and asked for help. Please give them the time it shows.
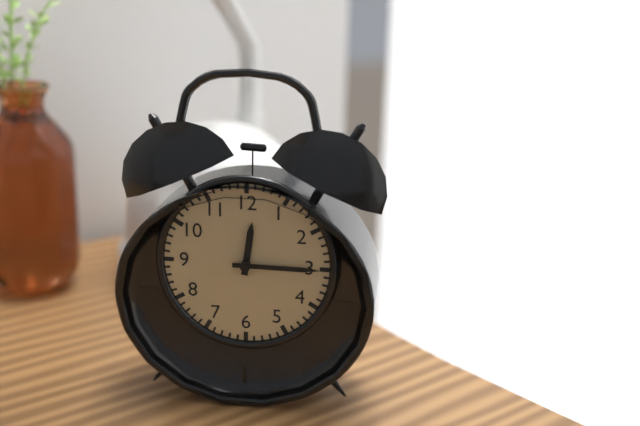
12:15
